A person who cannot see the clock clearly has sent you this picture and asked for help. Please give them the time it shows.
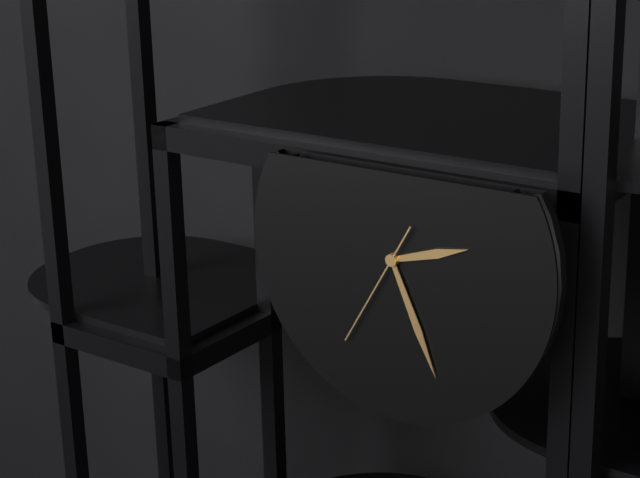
2:26:35
